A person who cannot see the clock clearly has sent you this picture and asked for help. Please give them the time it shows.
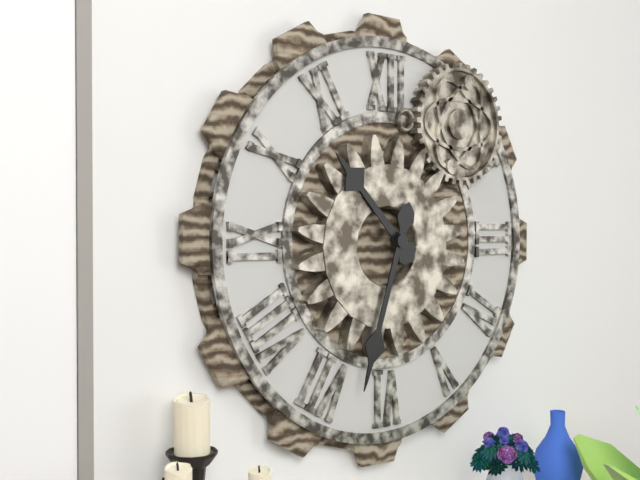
10:33
